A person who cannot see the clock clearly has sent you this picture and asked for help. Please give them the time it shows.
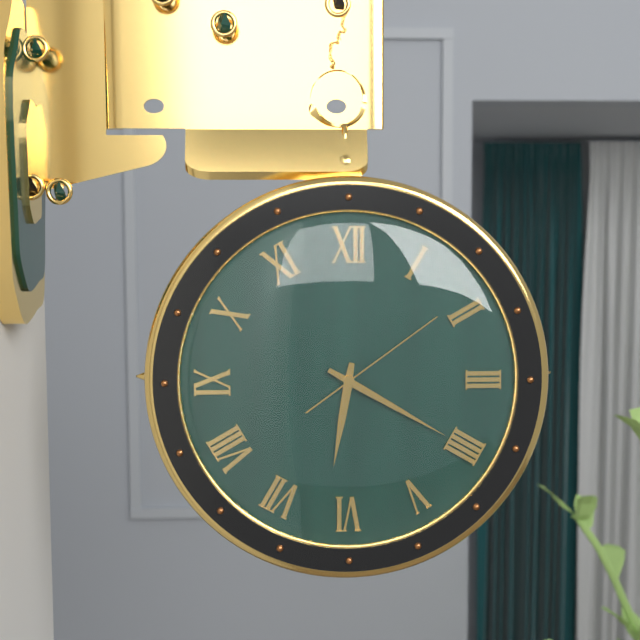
6:20:09
